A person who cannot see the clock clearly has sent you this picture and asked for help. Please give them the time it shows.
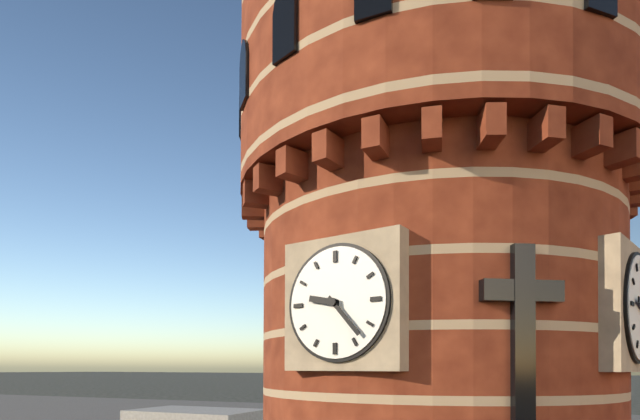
9:23
